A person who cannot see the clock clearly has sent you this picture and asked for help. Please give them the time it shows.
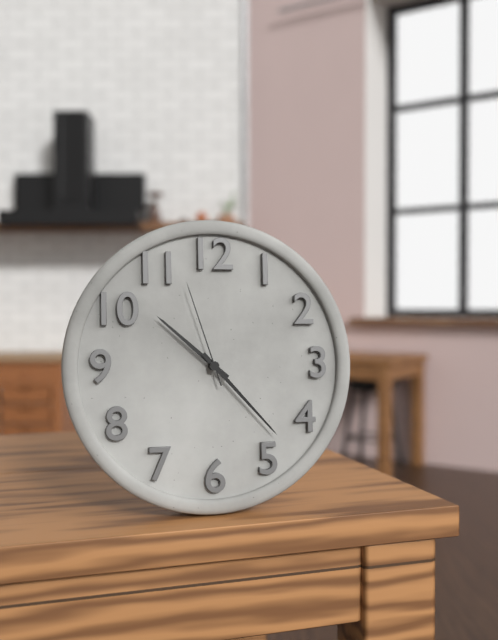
10:23:57
